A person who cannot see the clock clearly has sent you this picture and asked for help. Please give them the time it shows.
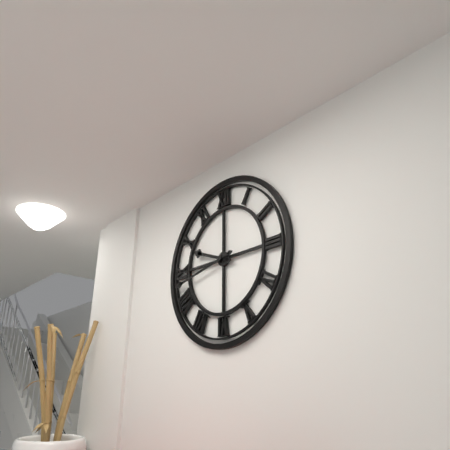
9:43
